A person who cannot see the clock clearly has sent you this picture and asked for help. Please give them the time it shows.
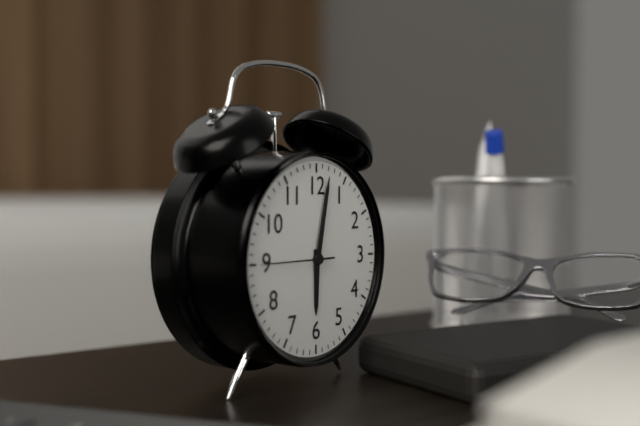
6:02
